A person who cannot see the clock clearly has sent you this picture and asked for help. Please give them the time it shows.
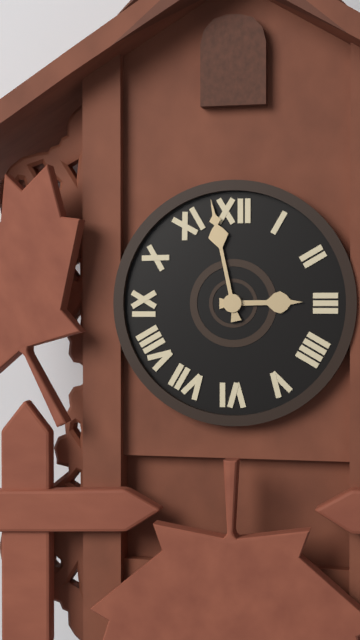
2:58
